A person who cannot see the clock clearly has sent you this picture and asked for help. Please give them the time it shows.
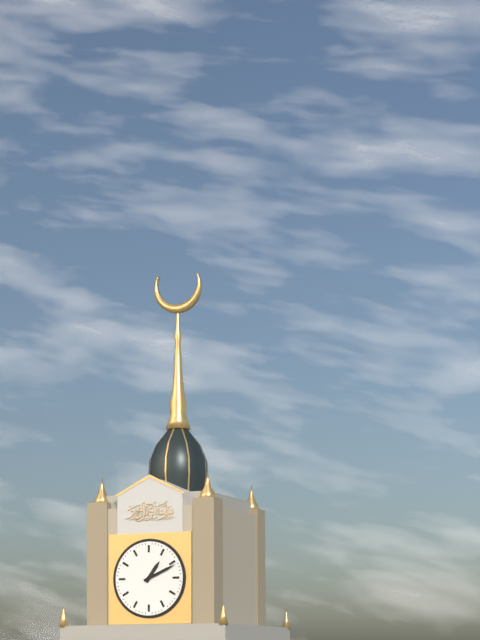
1:11
